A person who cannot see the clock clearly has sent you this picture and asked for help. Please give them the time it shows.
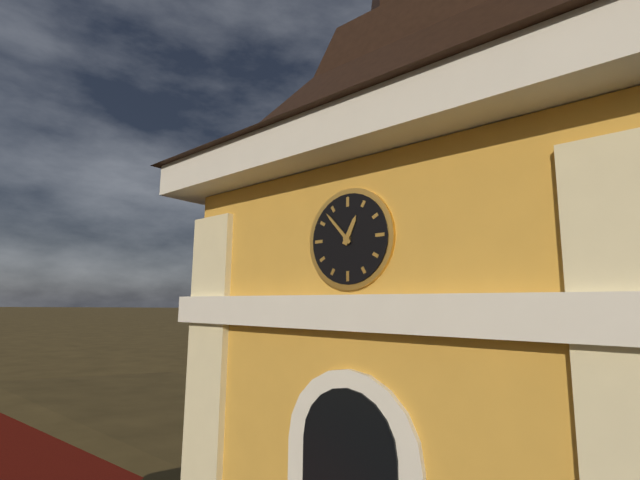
12:53
